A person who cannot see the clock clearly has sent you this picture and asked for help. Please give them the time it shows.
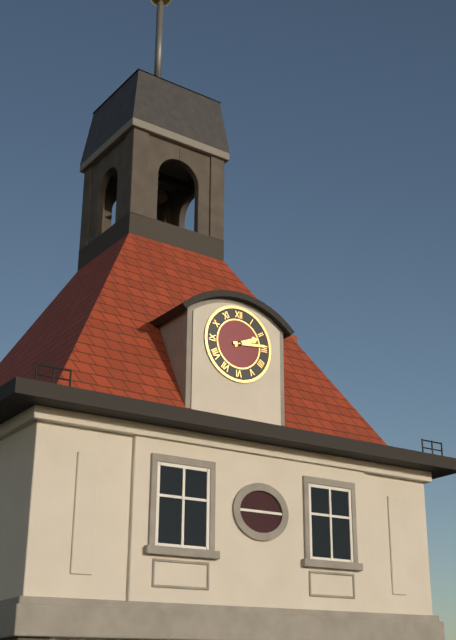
2:14
